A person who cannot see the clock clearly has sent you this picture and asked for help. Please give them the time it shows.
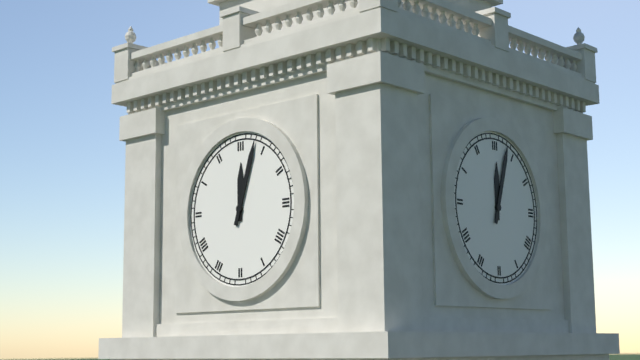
12:03
